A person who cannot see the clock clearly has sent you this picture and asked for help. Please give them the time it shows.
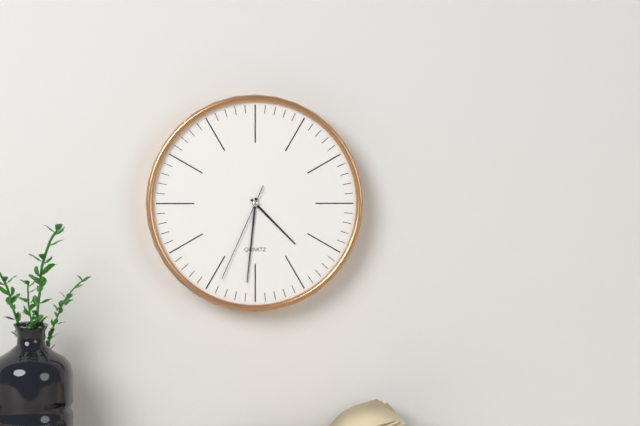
4:31:34
